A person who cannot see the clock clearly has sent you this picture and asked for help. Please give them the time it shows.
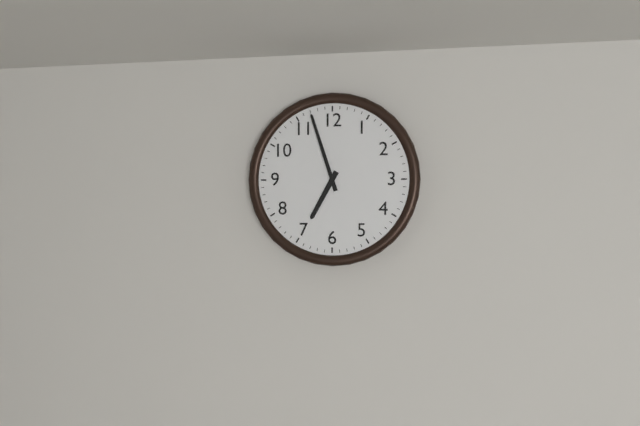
6:57
